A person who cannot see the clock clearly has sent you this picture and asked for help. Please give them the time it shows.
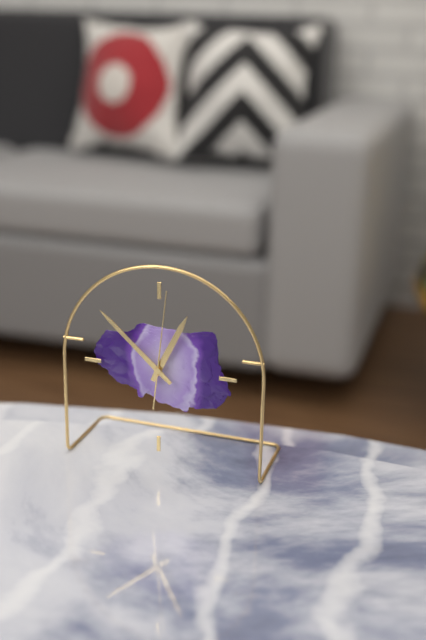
12:52:01
